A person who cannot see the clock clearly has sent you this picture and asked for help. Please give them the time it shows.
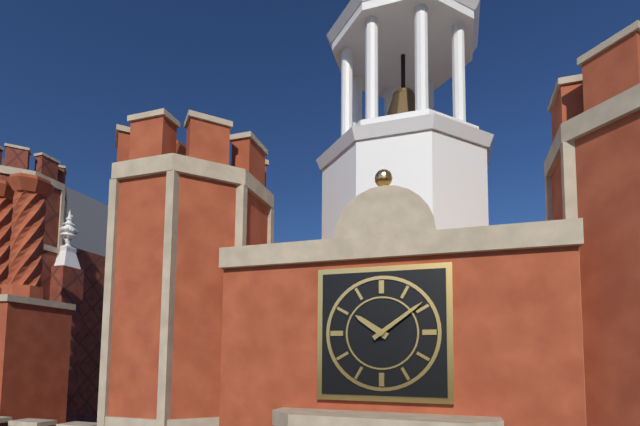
10:09
